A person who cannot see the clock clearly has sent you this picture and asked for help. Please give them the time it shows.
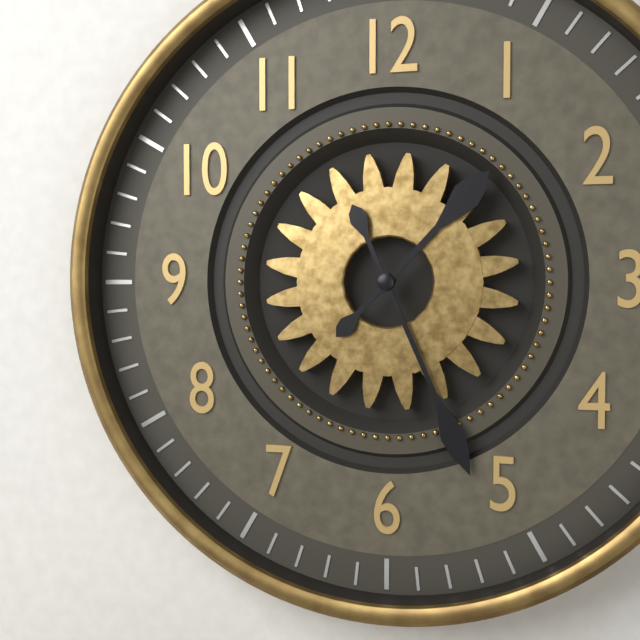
1:26
